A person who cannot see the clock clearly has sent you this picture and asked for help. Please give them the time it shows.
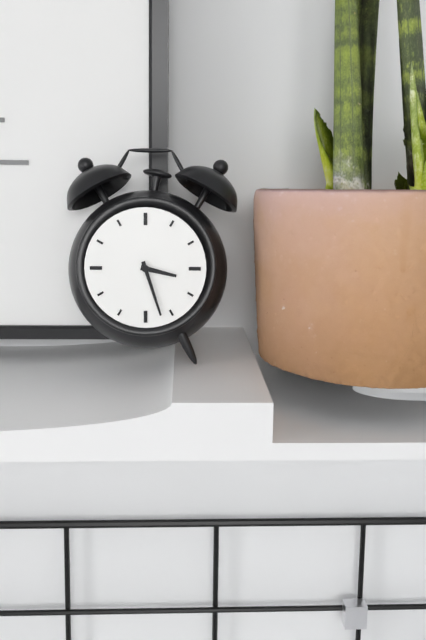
3:27
